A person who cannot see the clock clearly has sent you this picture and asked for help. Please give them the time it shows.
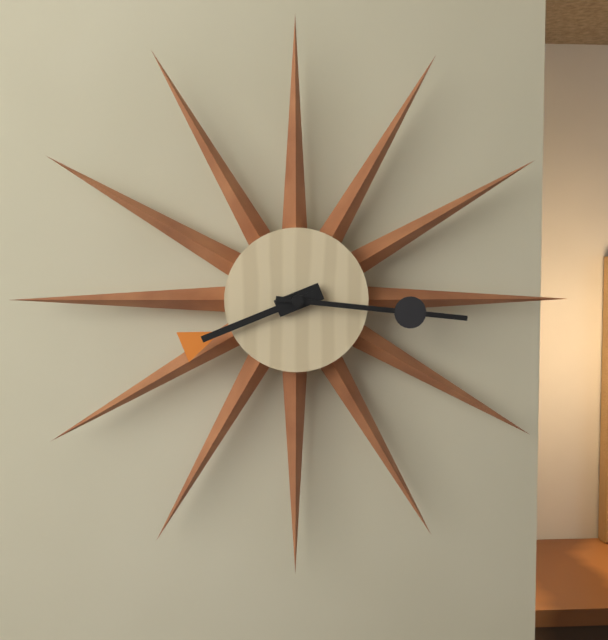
8:16
